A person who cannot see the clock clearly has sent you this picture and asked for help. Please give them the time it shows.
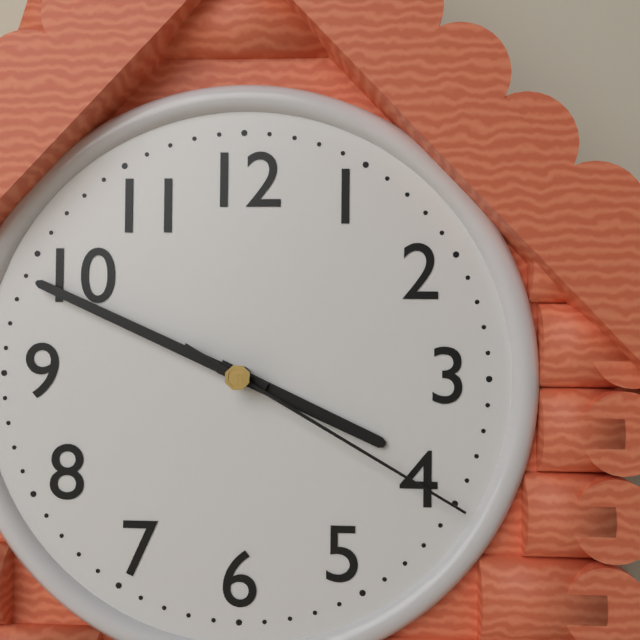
3:49:20
